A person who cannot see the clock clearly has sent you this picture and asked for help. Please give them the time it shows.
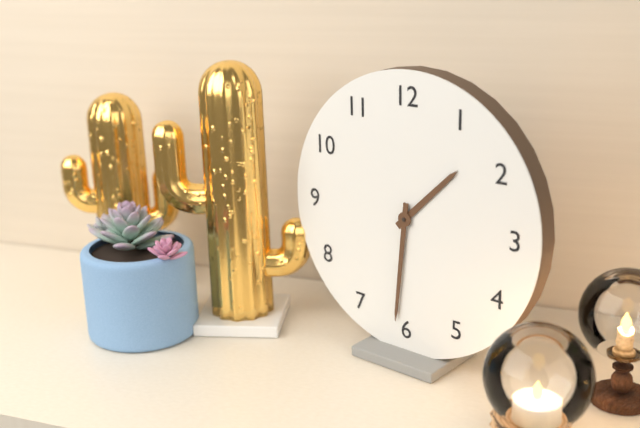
1:31
